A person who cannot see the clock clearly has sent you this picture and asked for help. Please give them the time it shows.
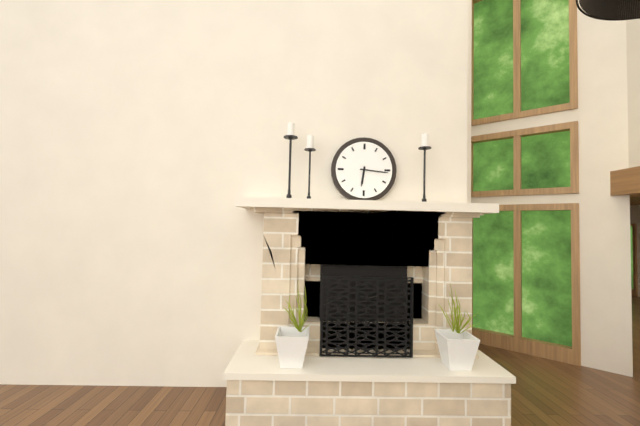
6:16
